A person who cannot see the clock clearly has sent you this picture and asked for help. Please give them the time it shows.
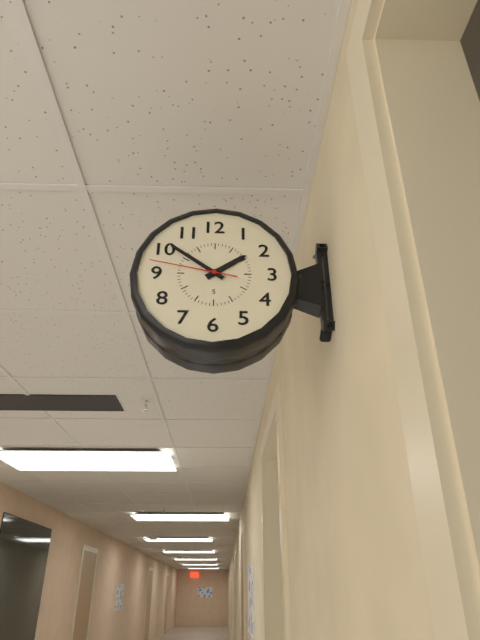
1:51:47
